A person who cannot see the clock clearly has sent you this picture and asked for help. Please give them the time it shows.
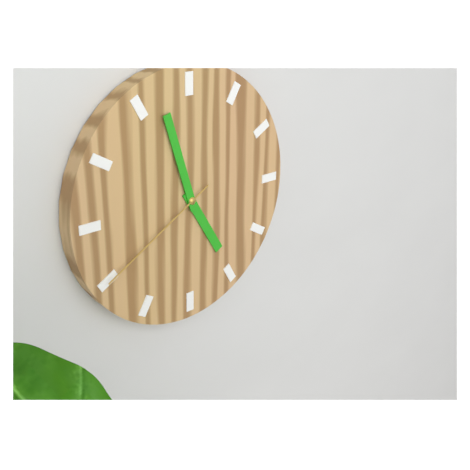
4:57:40
